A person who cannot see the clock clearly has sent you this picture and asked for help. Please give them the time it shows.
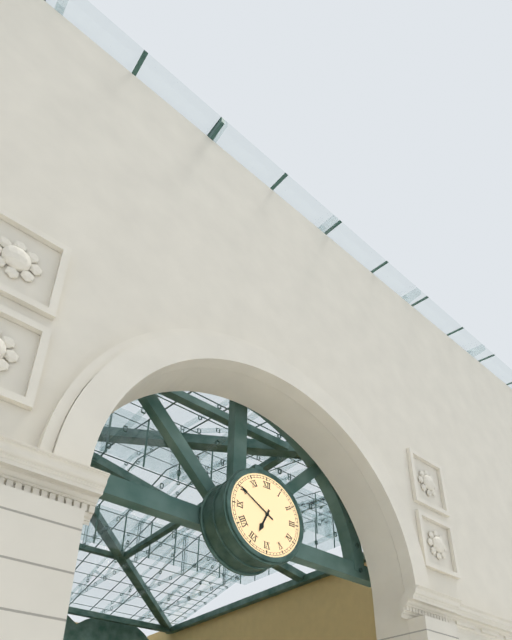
6:50
